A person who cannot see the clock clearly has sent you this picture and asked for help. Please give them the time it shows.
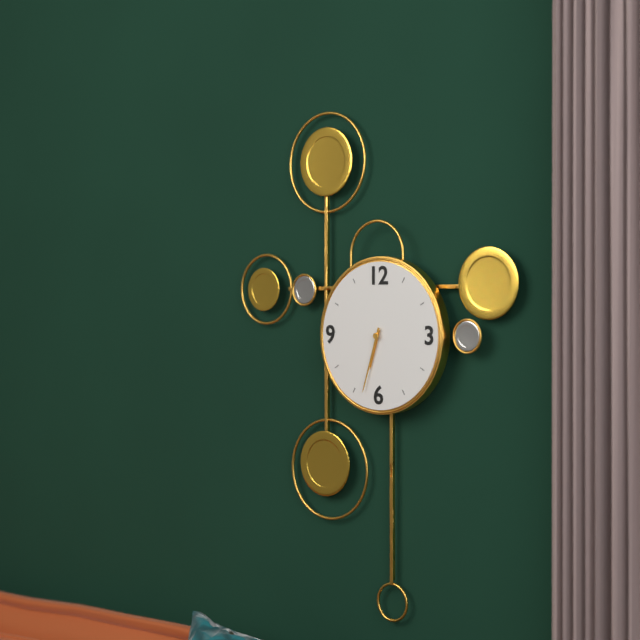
6:33
